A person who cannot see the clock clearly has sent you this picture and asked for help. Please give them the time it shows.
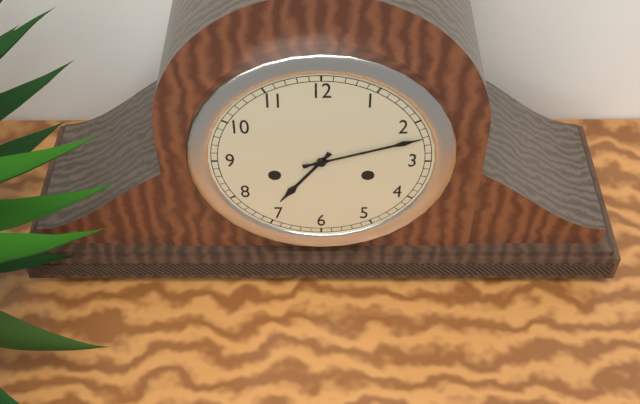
7:12
